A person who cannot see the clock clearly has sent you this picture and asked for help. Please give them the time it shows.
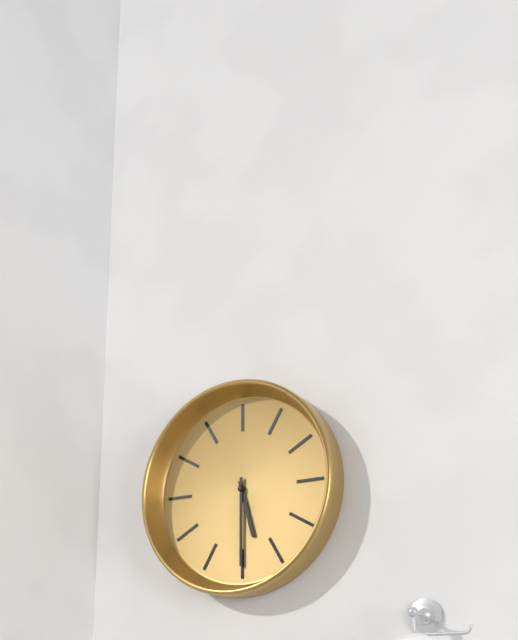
5:30
